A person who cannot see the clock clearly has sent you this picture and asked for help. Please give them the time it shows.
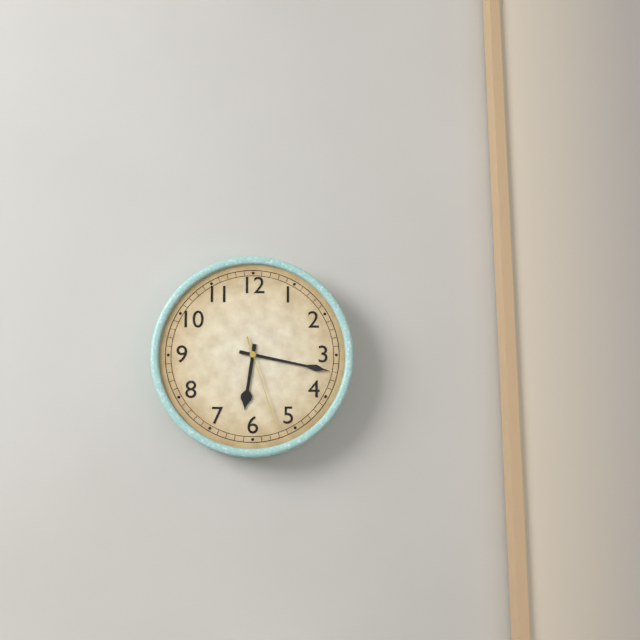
6:17:27
